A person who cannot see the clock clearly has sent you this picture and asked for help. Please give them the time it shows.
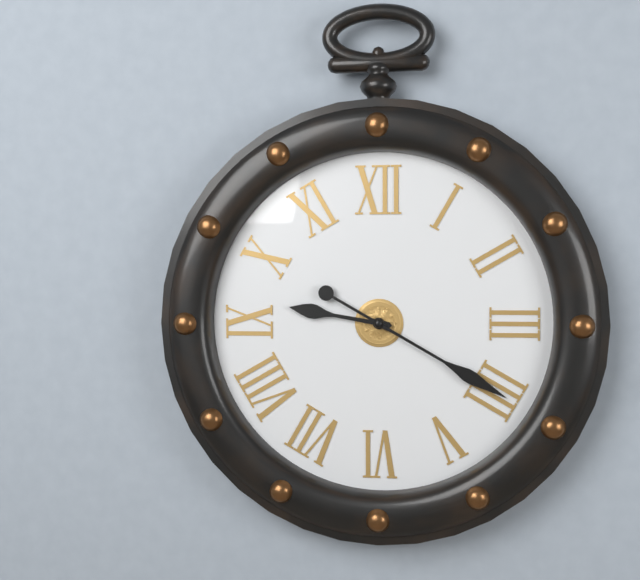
9:20
